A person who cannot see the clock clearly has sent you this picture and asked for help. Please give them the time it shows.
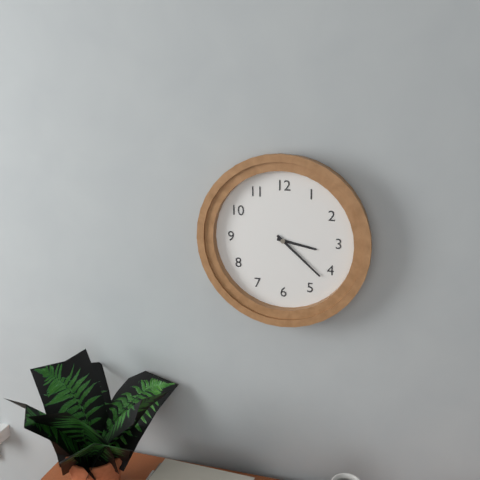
3:22
